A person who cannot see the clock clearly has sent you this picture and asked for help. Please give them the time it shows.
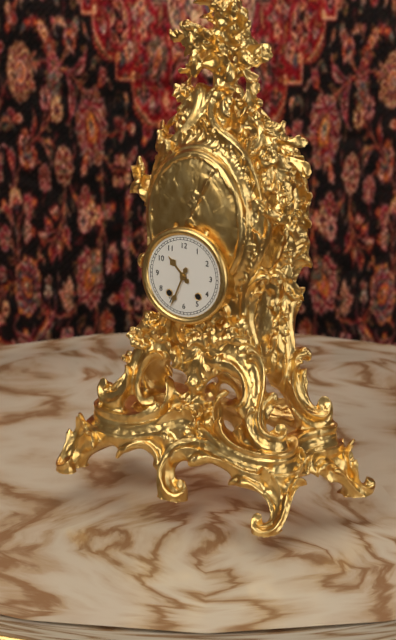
10:34
